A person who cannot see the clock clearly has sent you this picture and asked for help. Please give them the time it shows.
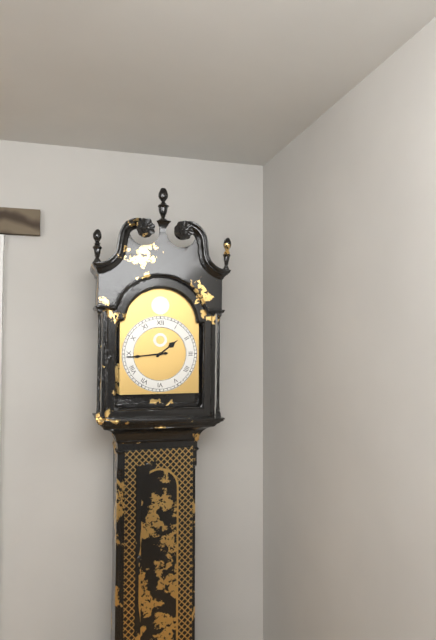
1:44
